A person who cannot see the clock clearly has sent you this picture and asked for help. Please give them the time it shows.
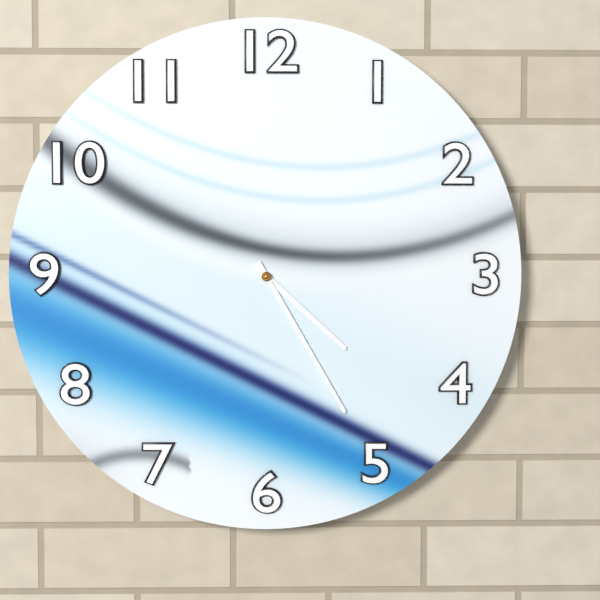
4:25
